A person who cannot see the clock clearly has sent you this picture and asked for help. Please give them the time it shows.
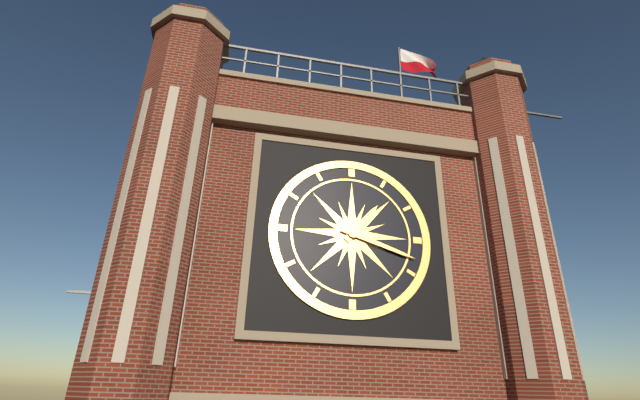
1:18
